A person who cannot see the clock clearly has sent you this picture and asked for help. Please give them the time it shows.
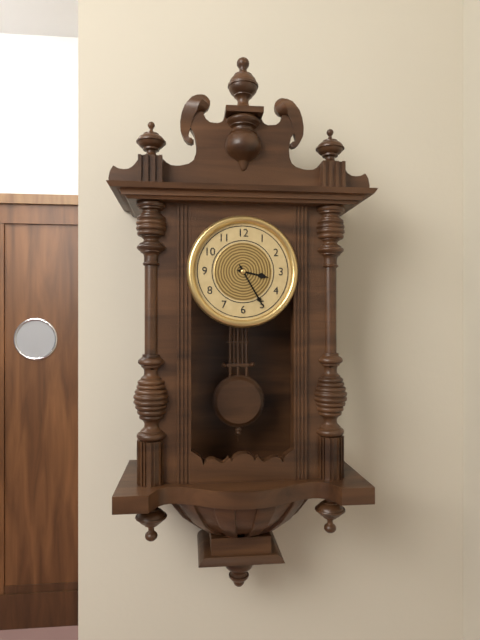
3:25
